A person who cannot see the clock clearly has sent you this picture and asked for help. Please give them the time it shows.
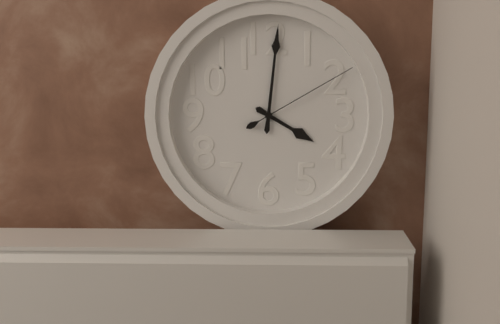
4:01:10
